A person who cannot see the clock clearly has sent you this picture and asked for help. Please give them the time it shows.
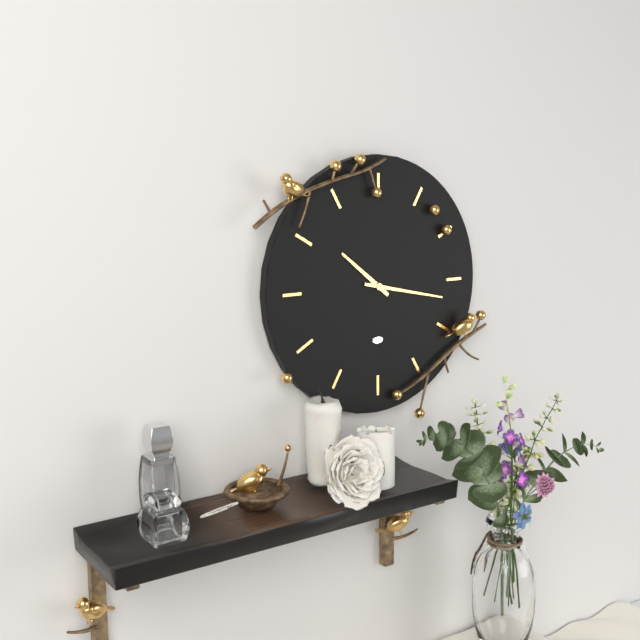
10:17
